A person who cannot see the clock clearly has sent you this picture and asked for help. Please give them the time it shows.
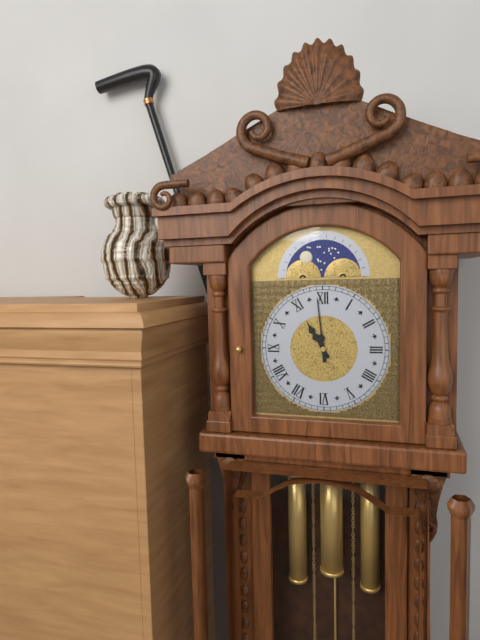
10:59
